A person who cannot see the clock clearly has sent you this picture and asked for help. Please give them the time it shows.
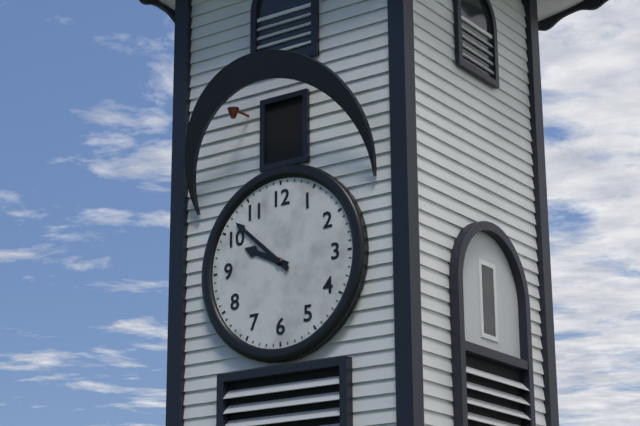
9:52
